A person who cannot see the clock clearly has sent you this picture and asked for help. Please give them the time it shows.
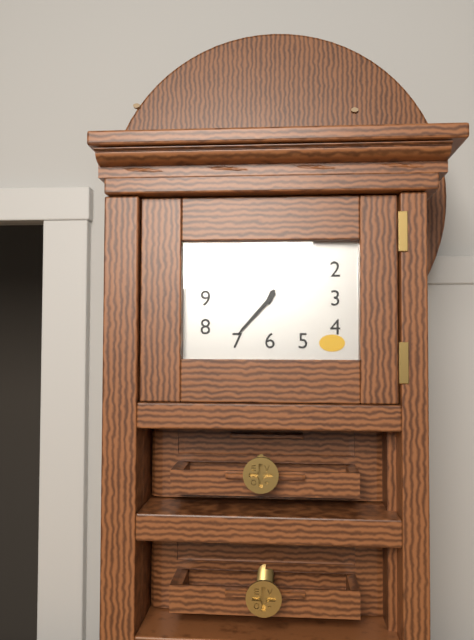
12:37
